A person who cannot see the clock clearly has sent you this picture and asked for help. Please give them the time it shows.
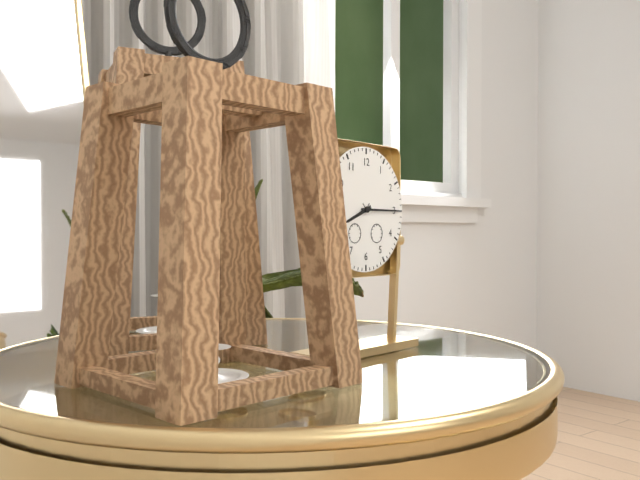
8:15
